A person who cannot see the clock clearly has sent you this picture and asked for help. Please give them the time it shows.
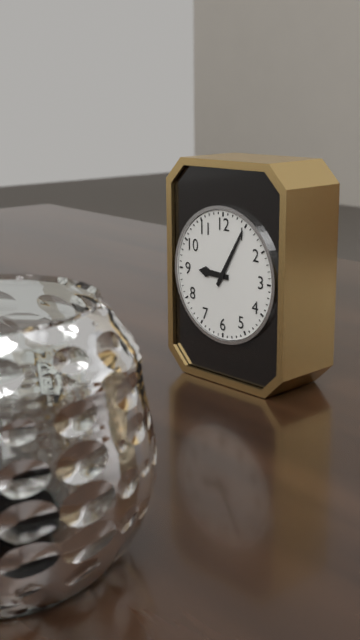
9:05
